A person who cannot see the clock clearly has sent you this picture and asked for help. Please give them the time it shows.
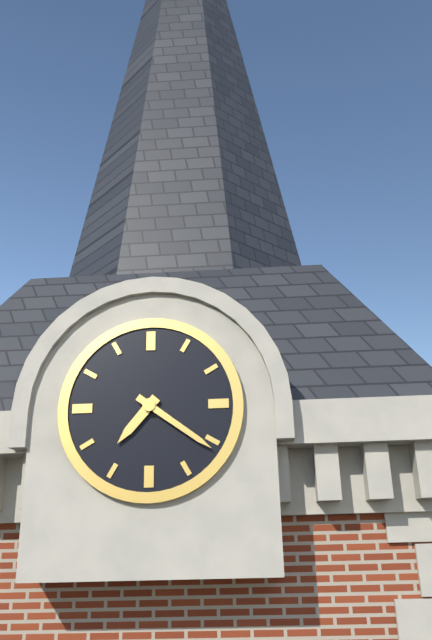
7:21
